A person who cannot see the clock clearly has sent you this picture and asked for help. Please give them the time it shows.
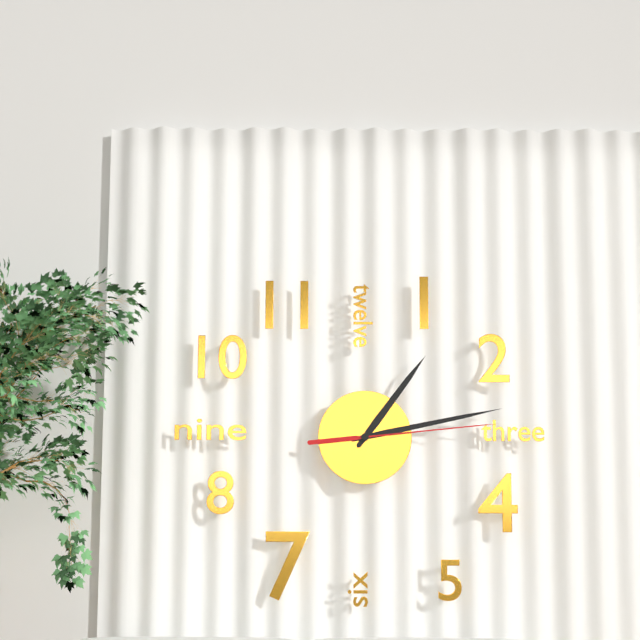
1:13:14
